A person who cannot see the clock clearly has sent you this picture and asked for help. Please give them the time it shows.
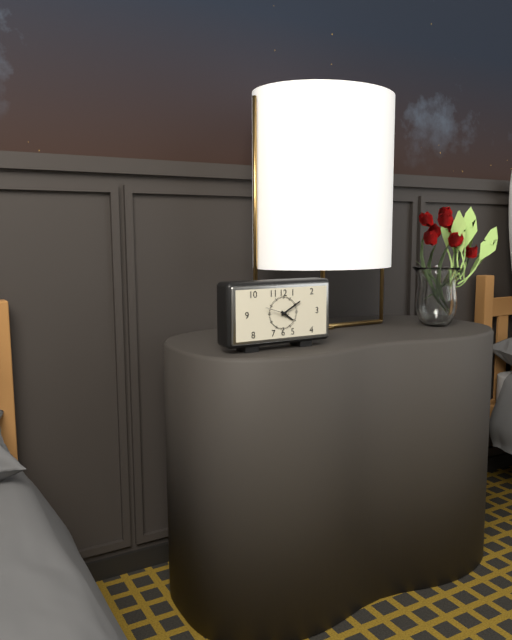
4:10
